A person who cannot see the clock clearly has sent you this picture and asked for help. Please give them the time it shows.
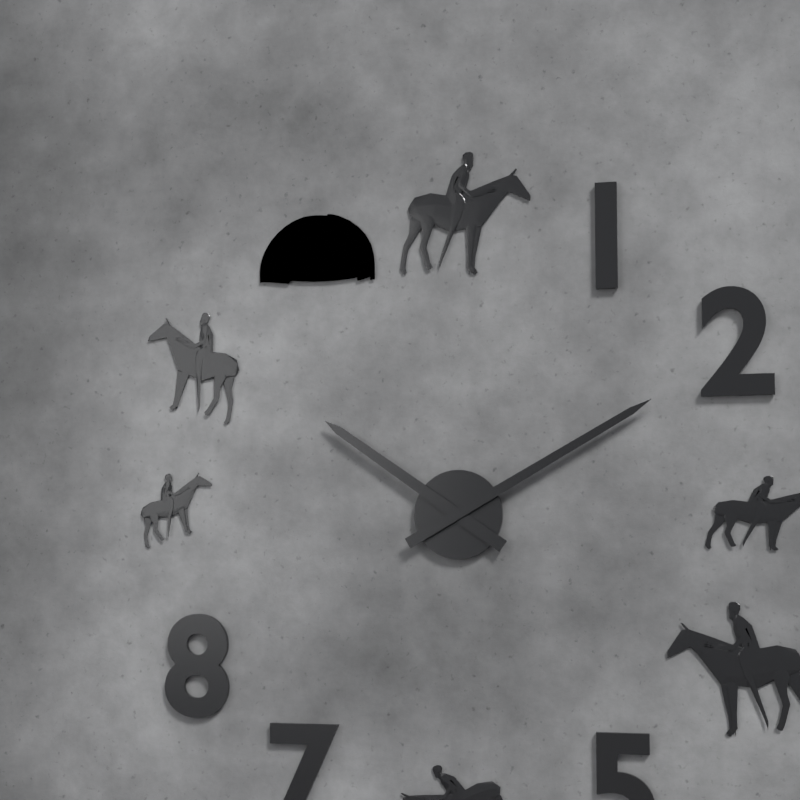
10:10
